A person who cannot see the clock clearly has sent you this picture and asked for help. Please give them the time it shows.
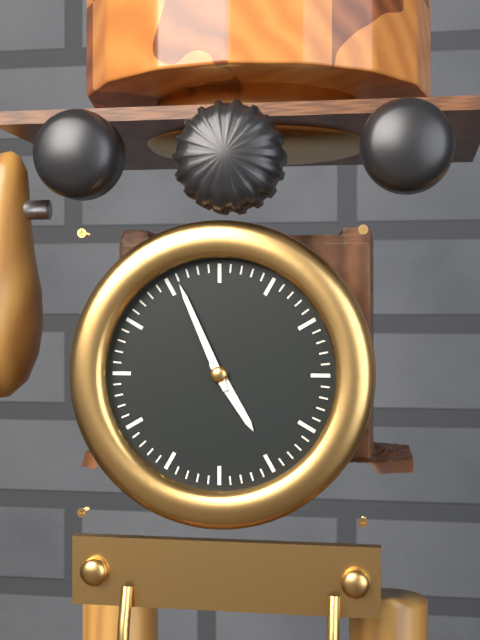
4:56
